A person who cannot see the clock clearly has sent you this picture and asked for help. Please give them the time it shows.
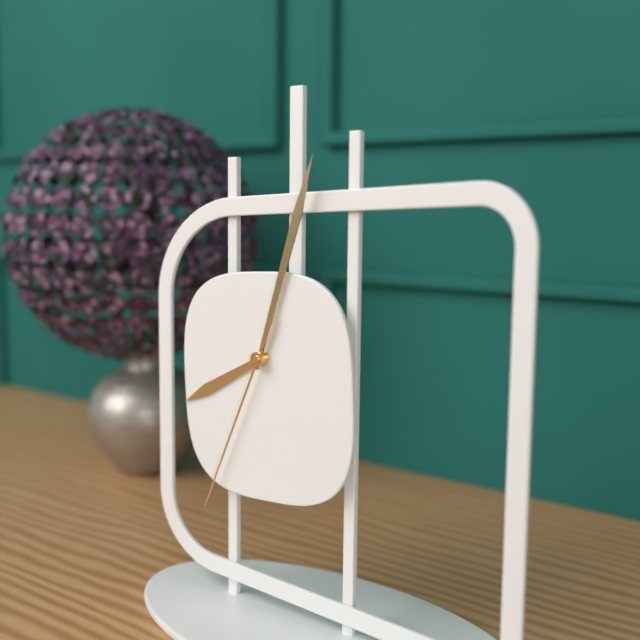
8:03:34
